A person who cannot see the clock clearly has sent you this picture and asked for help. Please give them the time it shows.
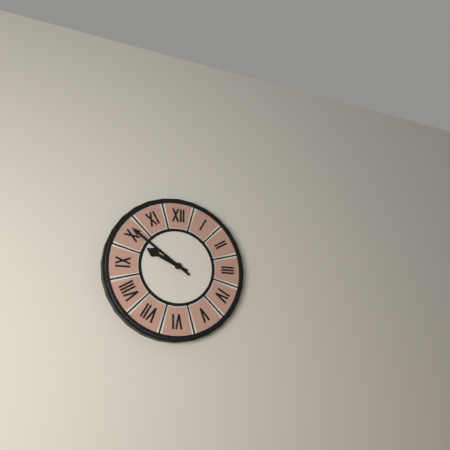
9:51
